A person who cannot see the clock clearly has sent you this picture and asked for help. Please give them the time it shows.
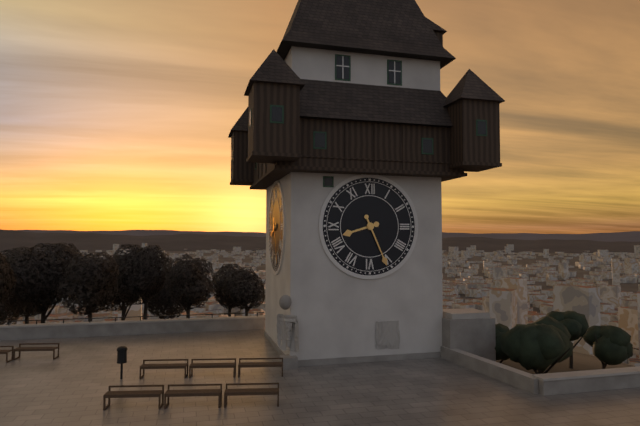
8:26
